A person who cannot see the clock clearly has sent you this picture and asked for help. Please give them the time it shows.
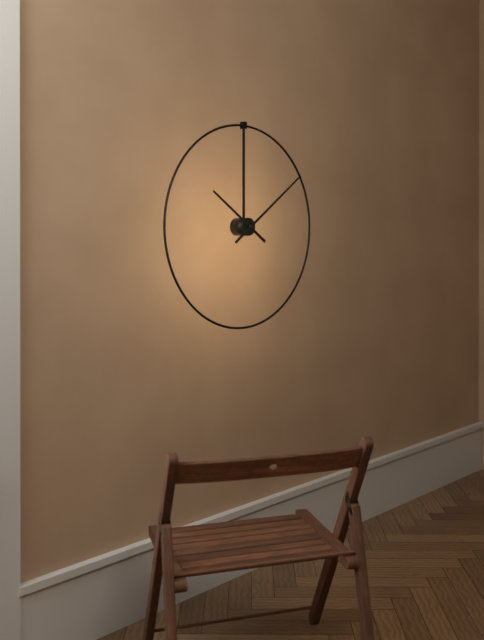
10:09
